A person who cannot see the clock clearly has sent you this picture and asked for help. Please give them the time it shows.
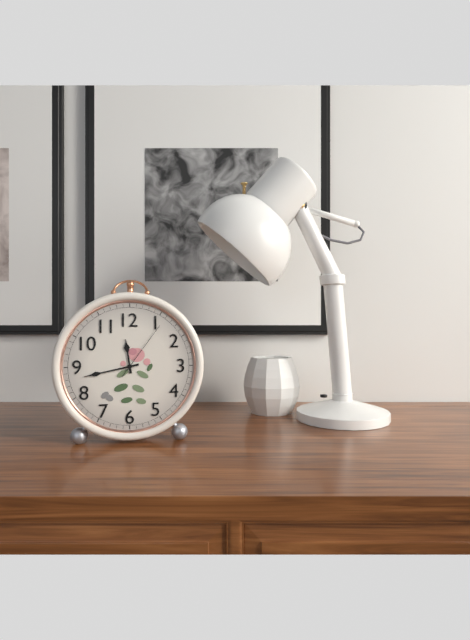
11:43:06
